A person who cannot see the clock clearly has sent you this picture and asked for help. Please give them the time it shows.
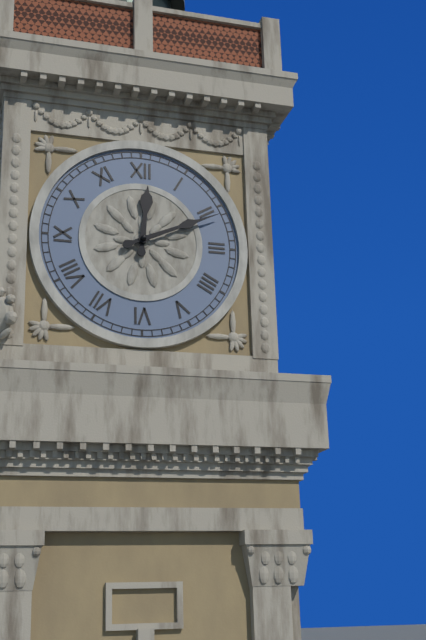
12:11
